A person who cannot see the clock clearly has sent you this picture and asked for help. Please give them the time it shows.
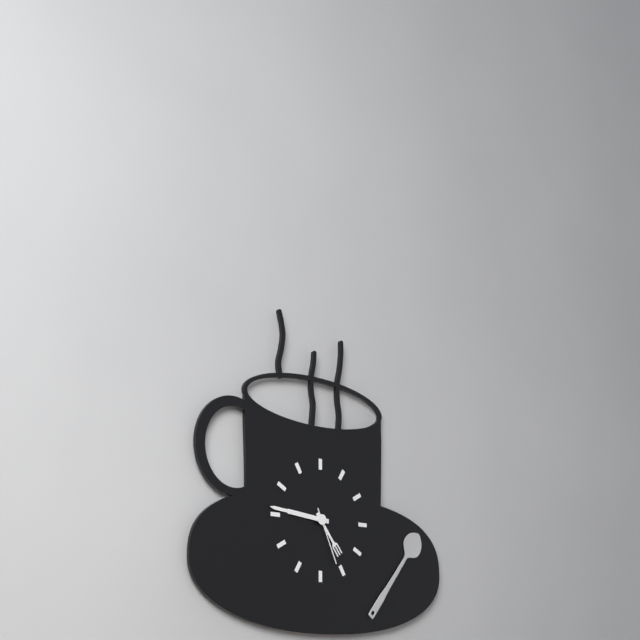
4:46:26
